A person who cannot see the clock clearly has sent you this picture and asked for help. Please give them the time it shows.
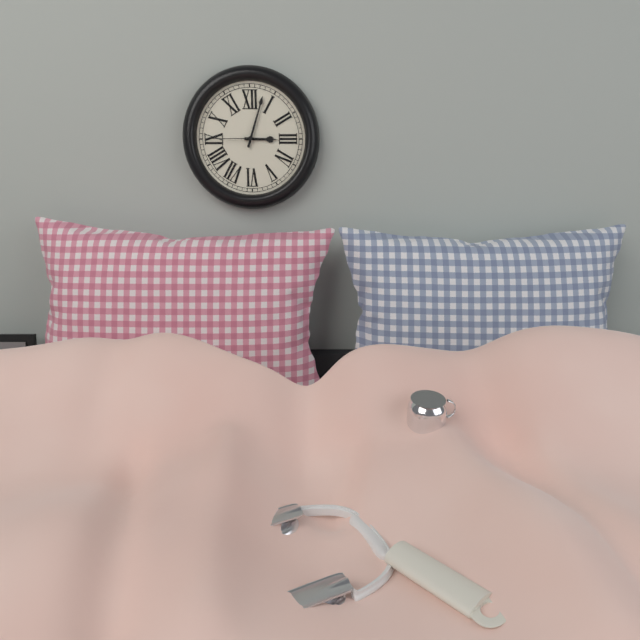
3:03:45
